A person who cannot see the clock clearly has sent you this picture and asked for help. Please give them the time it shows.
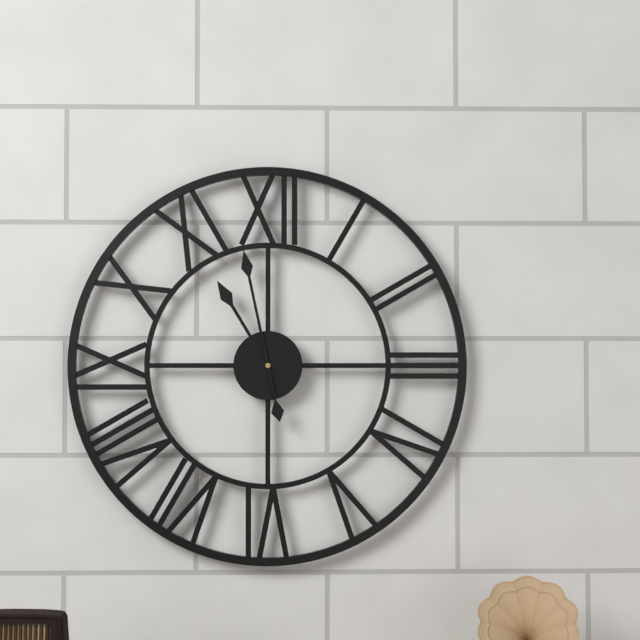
10:58
